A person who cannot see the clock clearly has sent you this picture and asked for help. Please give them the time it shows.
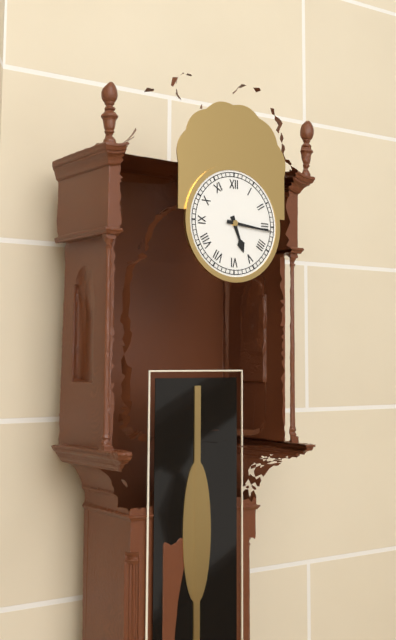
5:16
